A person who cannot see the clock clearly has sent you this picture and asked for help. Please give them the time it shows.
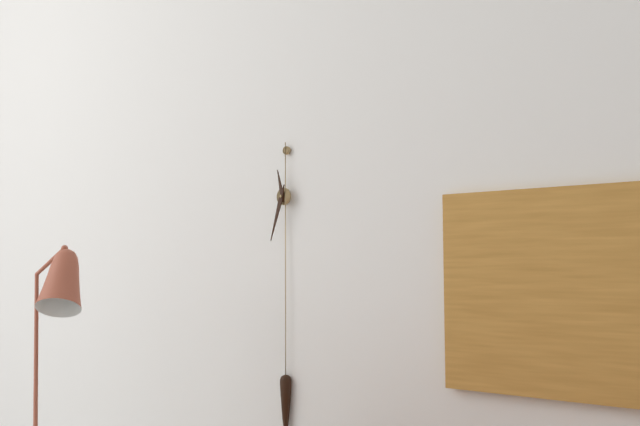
11:33
